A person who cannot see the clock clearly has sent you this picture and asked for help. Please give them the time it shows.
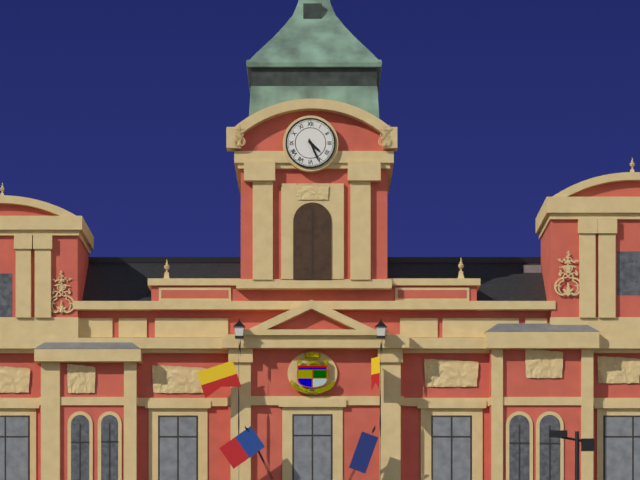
4:26
